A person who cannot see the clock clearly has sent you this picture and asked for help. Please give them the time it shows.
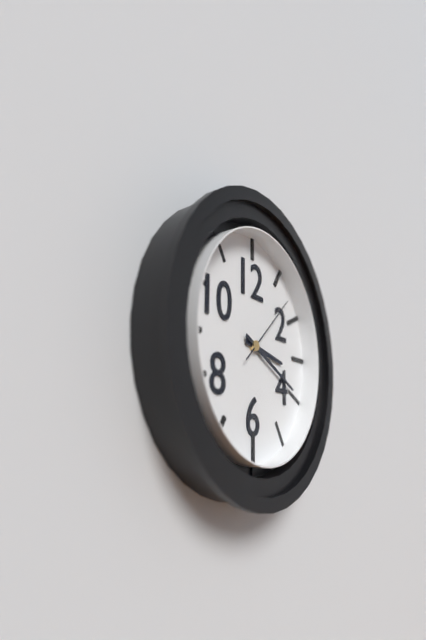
3:19:08
